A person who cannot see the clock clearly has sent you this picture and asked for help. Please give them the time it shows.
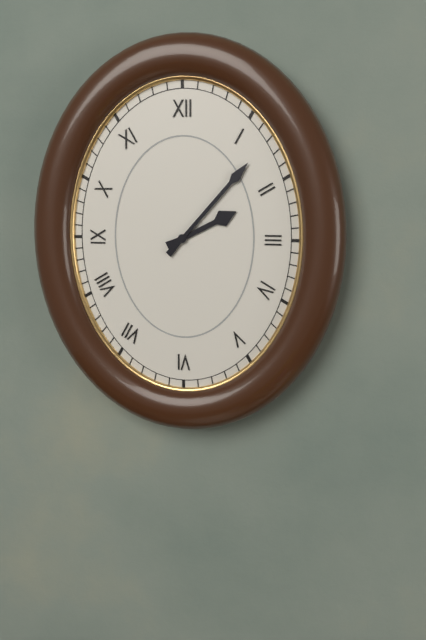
2:07
